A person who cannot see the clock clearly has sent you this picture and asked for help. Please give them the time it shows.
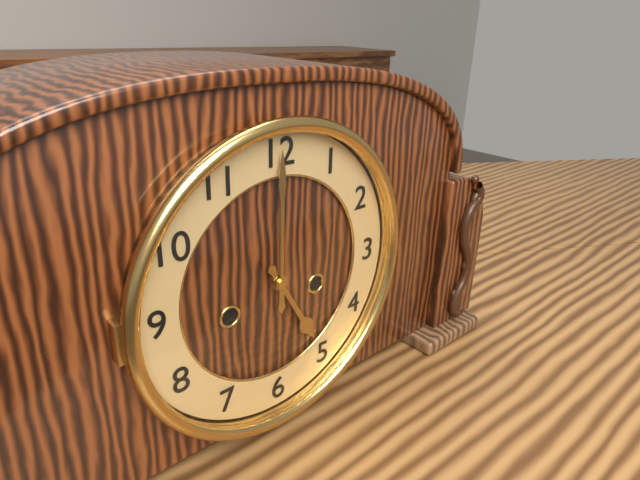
5:00
